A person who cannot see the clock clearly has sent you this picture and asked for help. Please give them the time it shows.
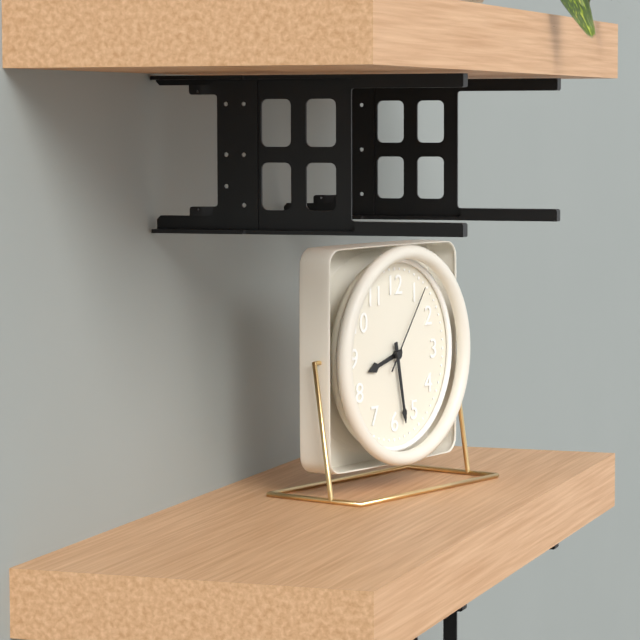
8:28:06
